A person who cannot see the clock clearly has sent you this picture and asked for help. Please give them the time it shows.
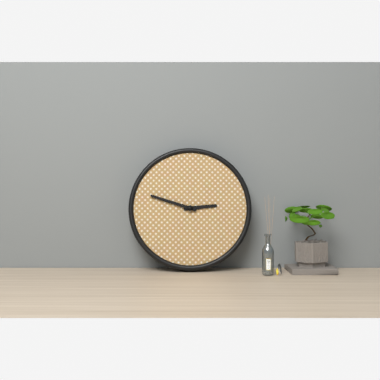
2:48
